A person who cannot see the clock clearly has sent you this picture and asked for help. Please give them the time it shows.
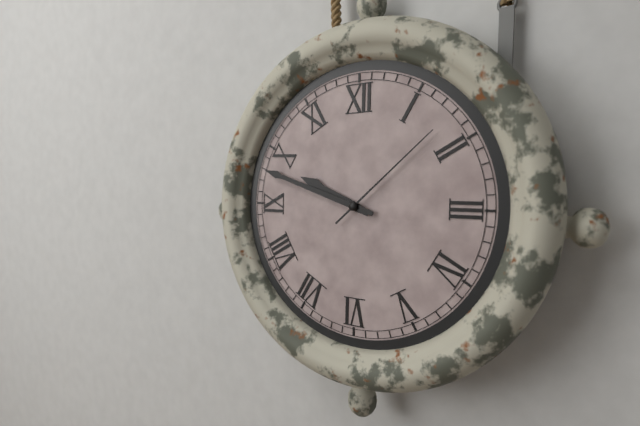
9:48:08
